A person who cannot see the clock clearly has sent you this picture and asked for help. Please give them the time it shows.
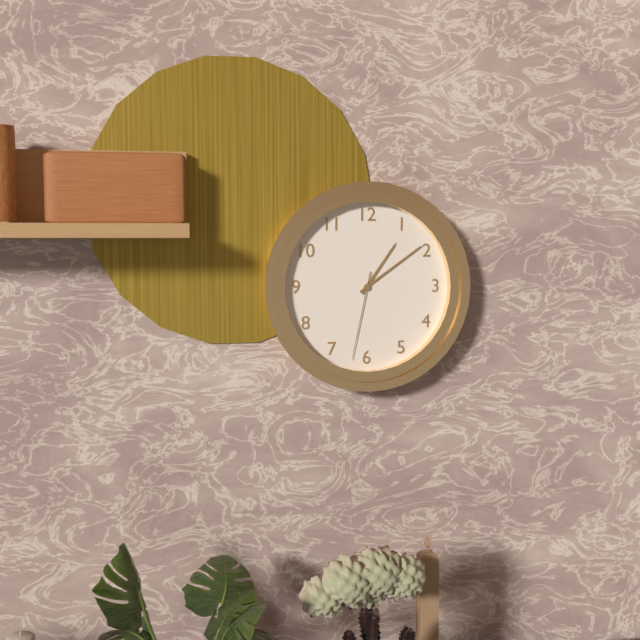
1:09:32
